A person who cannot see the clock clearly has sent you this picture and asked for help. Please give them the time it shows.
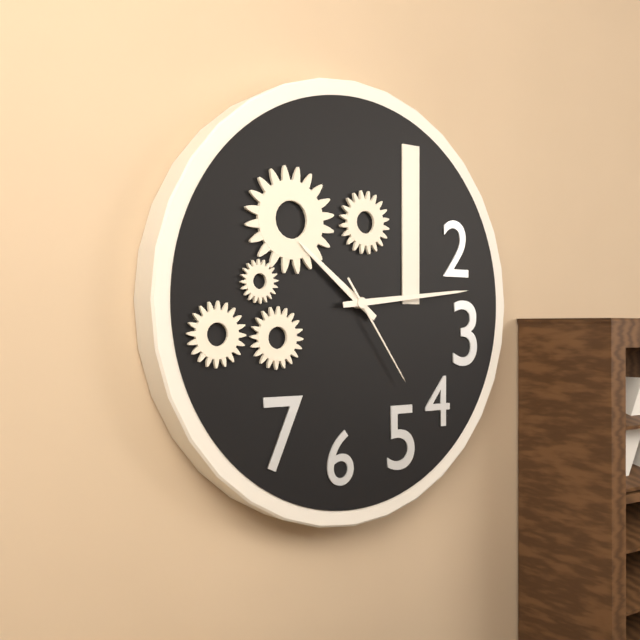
10:14:24
